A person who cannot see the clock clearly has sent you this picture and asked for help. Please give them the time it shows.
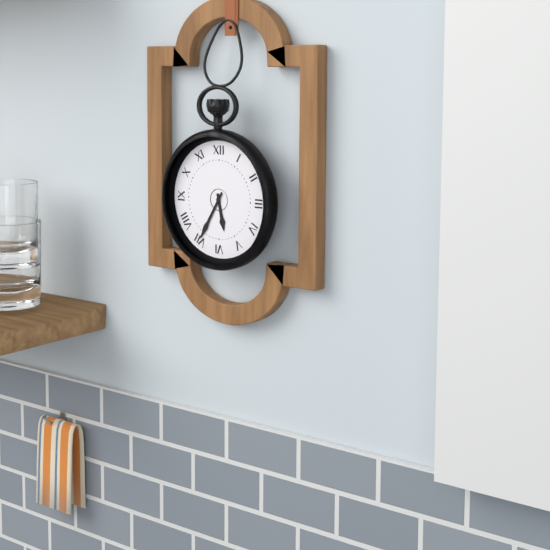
5:35
